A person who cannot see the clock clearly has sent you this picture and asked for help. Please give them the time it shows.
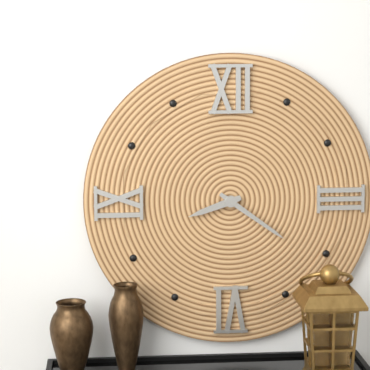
8:21
